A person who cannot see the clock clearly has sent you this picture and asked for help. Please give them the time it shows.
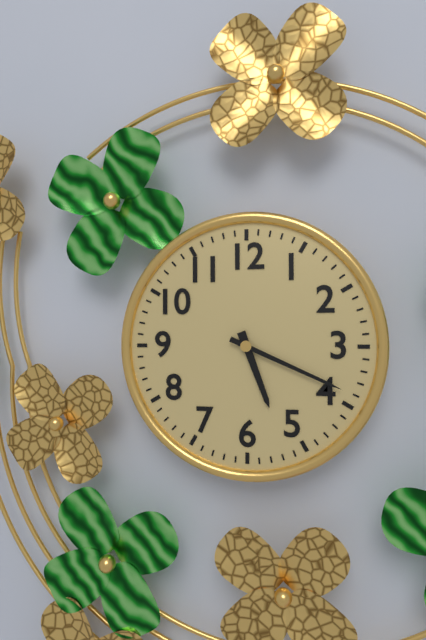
5:19
